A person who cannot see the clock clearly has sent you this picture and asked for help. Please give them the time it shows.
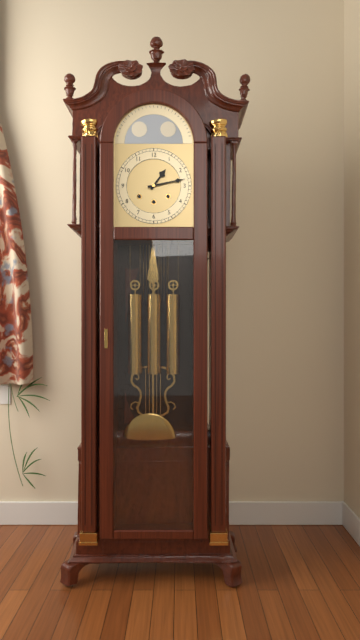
1:13
